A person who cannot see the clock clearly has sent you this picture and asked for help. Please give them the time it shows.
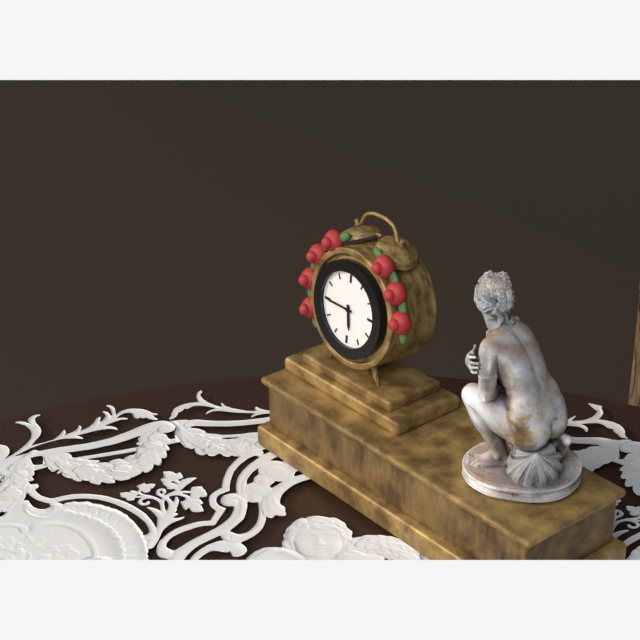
5:45
